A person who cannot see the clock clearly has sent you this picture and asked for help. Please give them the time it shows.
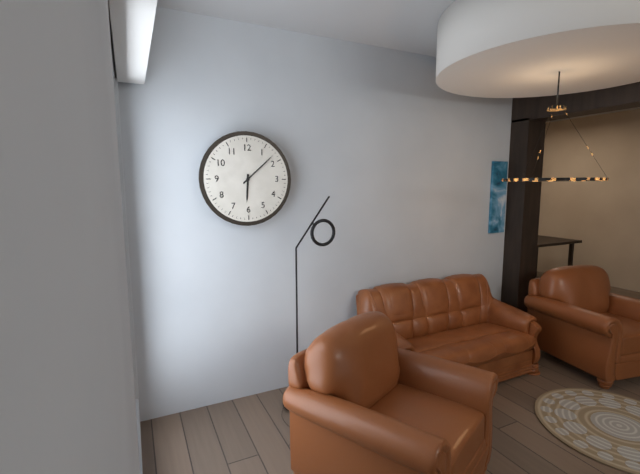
6:08
